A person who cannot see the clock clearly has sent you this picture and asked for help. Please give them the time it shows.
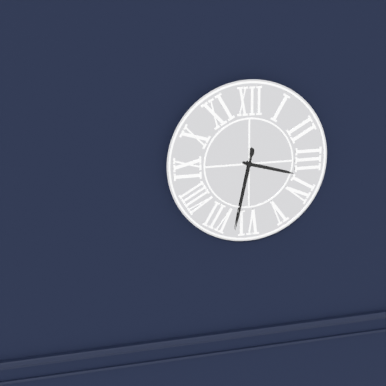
3:32
